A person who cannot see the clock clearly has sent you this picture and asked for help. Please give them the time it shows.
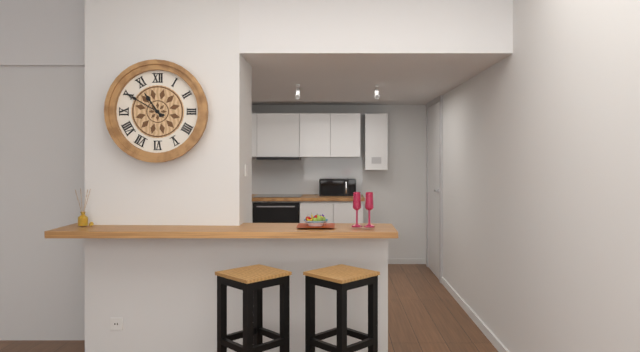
10:50
